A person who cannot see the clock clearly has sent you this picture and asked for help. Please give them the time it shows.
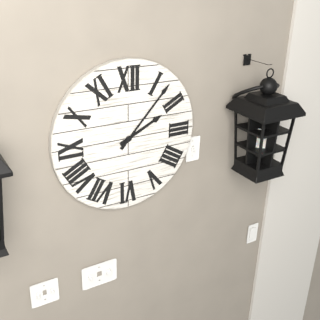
2:07
